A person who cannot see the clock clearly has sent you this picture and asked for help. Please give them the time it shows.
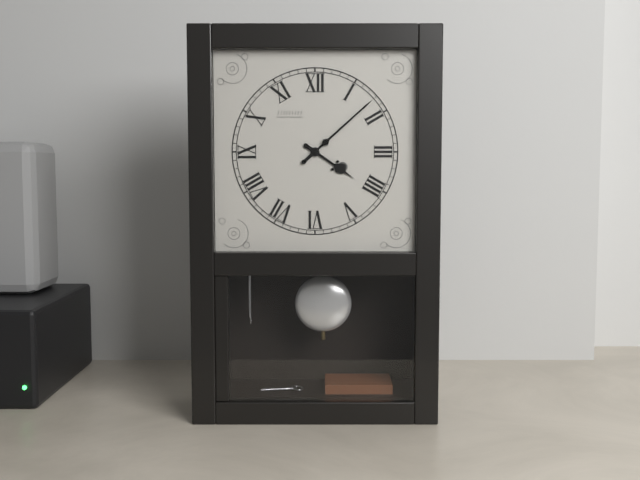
4:08
